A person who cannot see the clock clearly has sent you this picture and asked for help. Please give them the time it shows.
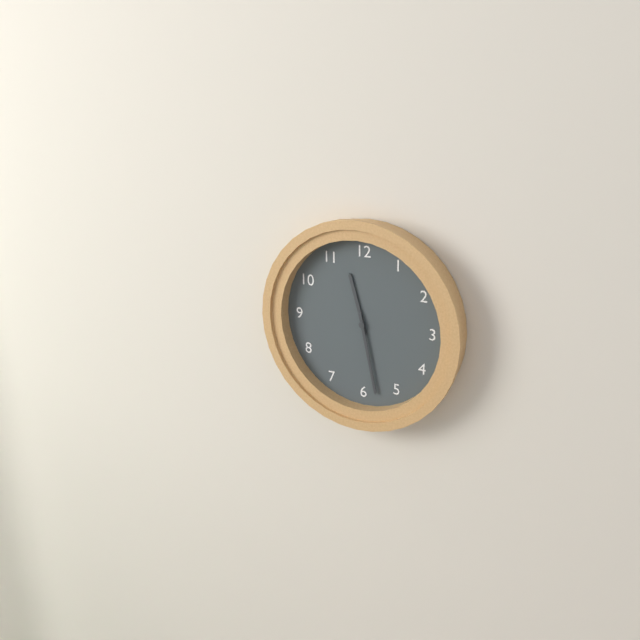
11:28
